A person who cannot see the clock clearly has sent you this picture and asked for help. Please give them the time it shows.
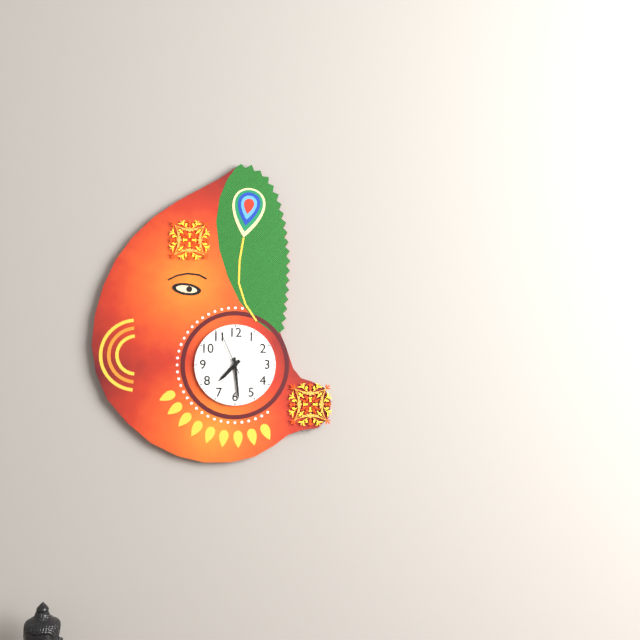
7:29
